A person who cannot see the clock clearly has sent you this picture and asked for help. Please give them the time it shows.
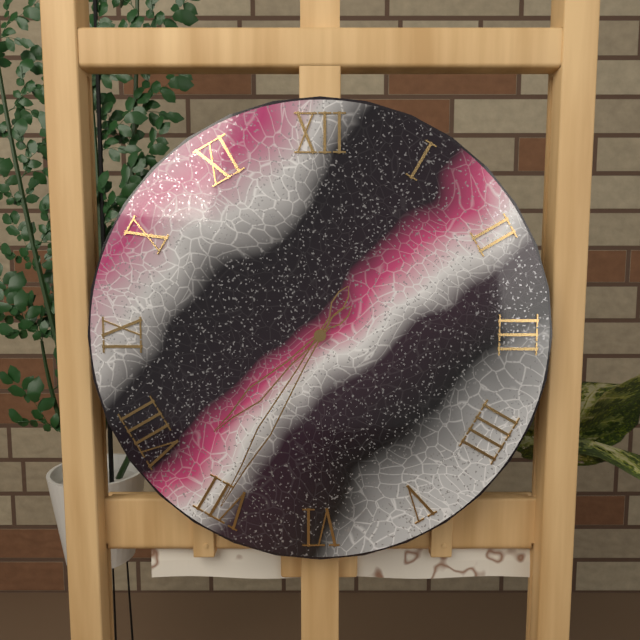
7:35
